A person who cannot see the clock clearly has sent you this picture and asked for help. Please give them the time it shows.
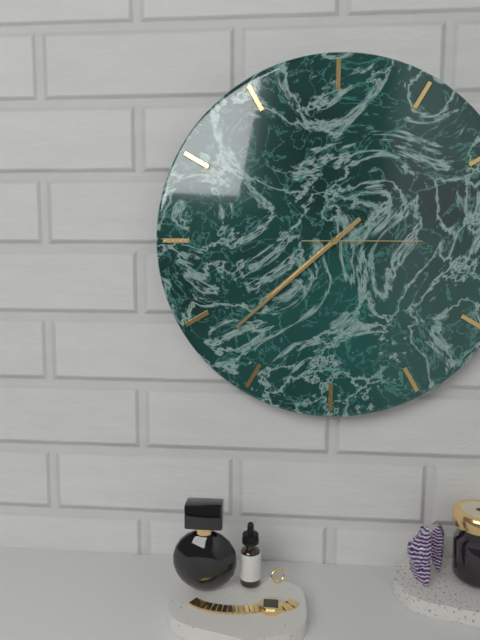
7:38:15
